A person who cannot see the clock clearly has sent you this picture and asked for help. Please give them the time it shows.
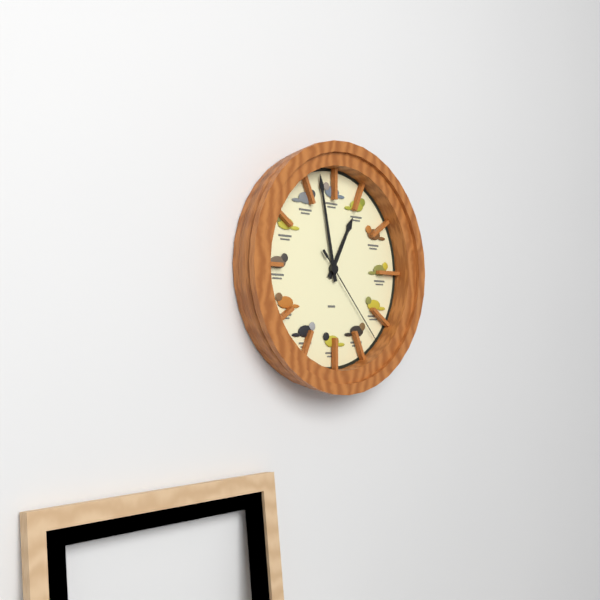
12:58:23
